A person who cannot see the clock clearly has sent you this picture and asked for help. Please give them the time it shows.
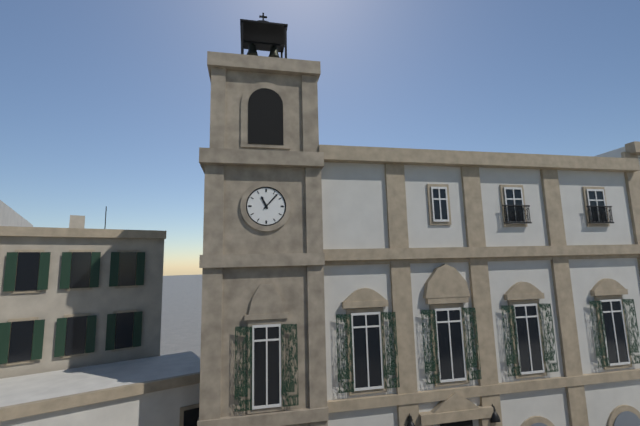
11:07
